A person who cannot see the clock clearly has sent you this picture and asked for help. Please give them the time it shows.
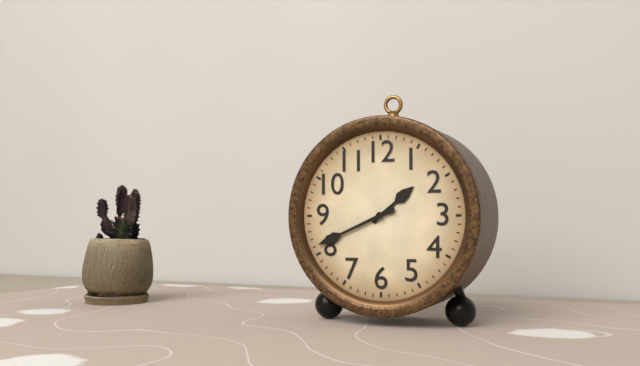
1:41
